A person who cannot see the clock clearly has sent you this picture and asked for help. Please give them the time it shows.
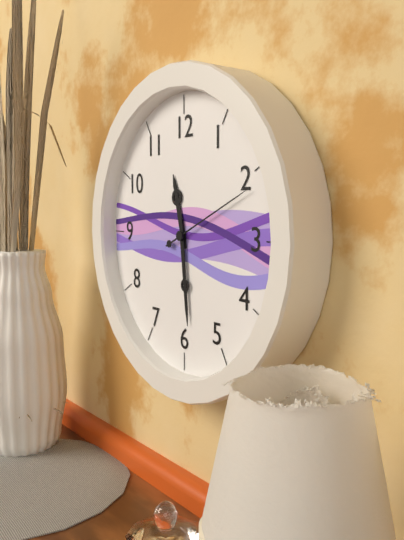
11:29:11
